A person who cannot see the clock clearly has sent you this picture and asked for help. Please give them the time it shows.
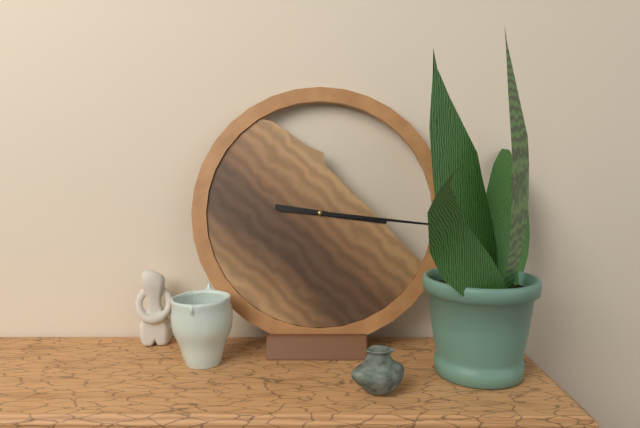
3:16
